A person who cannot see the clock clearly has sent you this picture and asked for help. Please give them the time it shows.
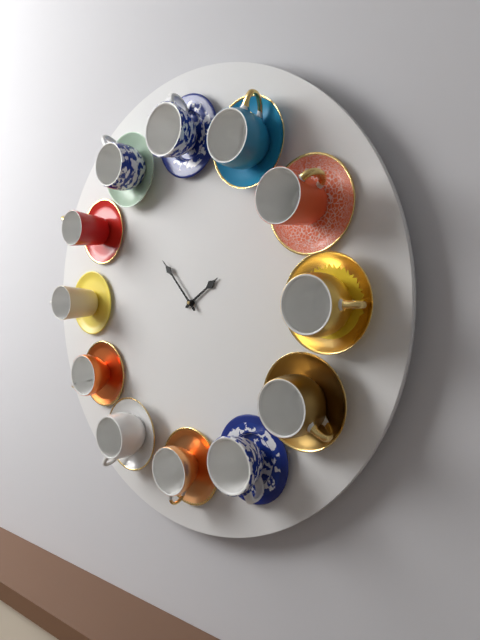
1:53
